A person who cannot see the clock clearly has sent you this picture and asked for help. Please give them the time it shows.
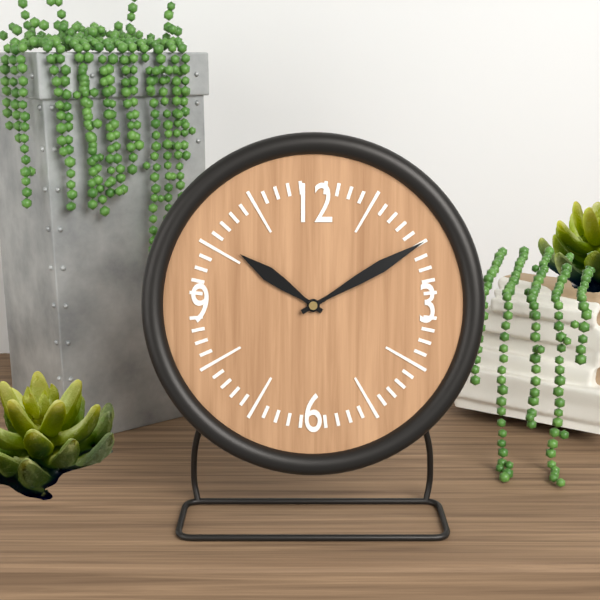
10:10
